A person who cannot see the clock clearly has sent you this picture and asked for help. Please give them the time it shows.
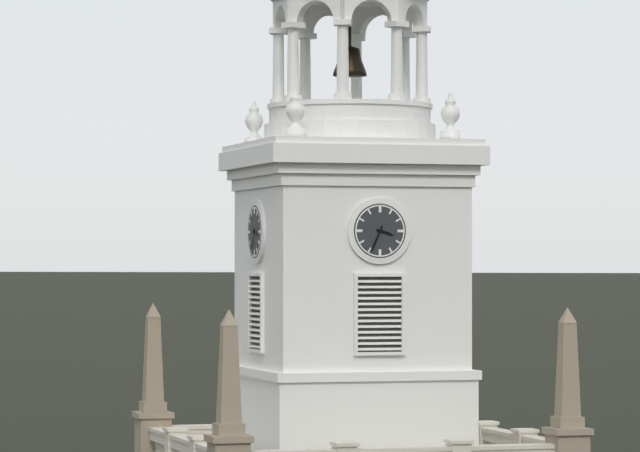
3:34
